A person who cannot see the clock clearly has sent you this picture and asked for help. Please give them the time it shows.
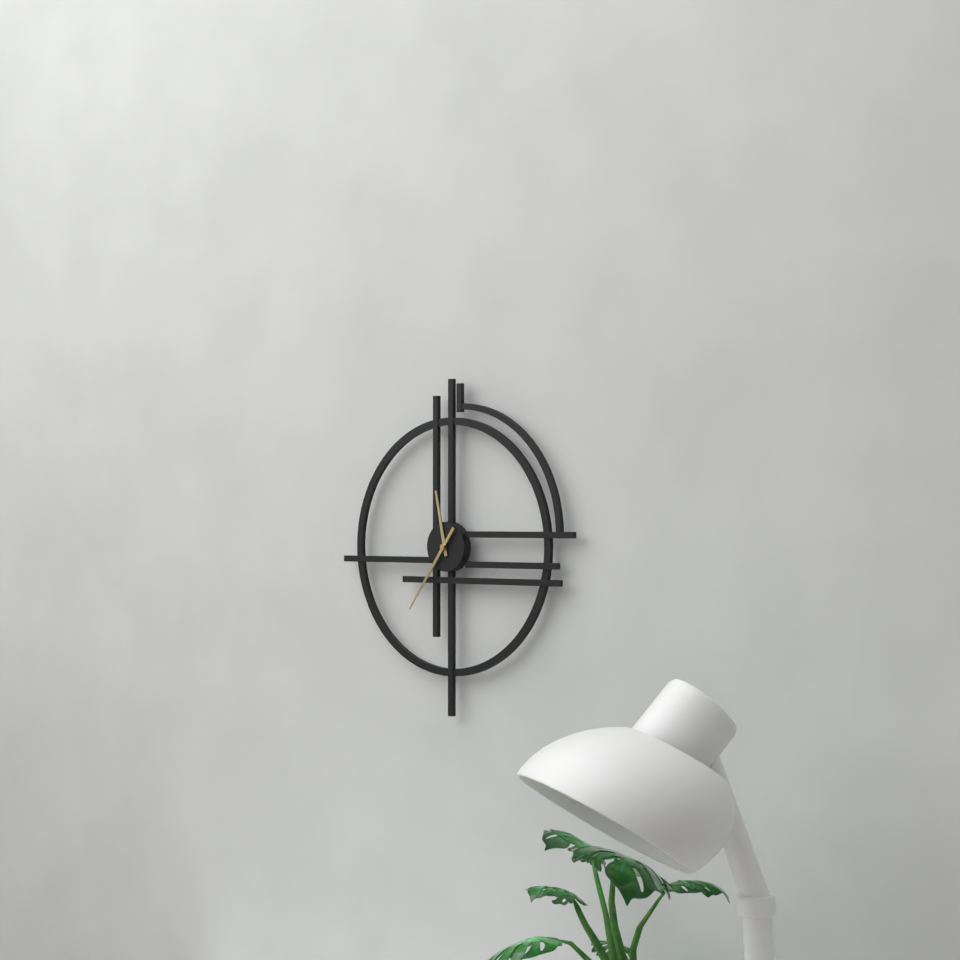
11:36
